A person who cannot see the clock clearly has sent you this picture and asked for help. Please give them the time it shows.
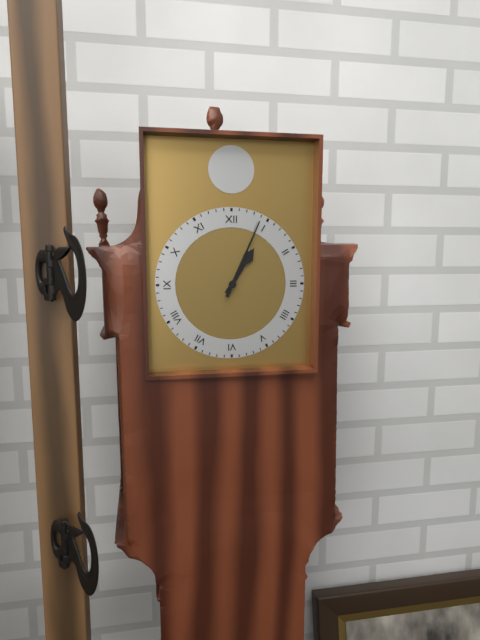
1:04
